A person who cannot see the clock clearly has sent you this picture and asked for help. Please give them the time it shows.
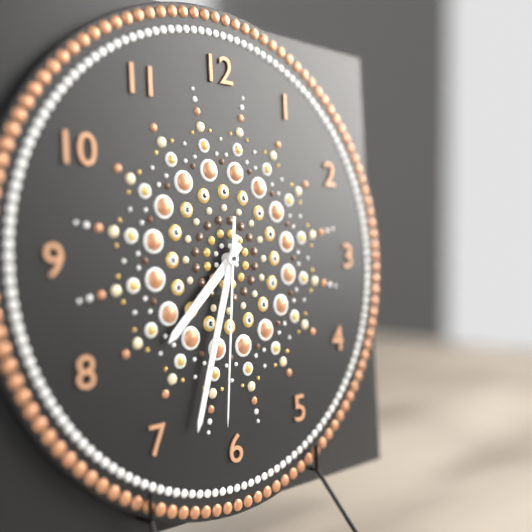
7:33:31
